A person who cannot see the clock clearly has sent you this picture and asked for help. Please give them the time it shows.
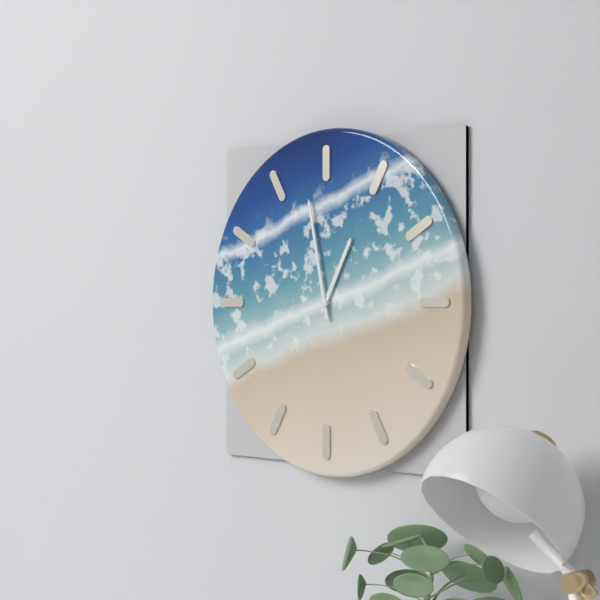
12:58
